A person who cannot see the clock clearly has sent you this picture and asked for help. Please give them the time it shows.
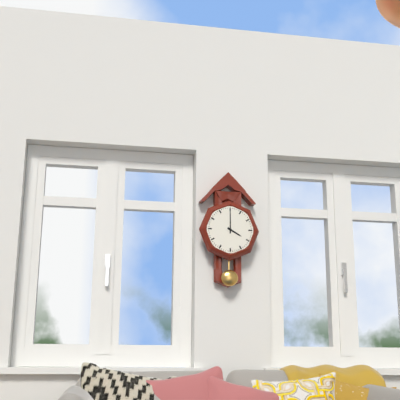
4:00
